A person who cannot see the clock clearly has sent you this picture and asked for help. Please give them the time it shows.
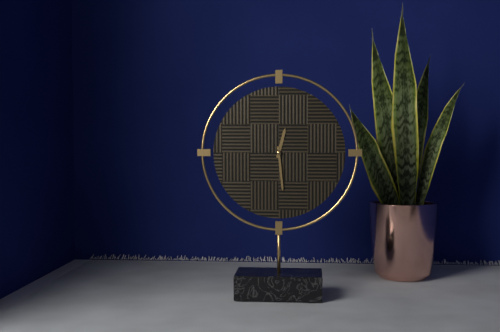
12:29
